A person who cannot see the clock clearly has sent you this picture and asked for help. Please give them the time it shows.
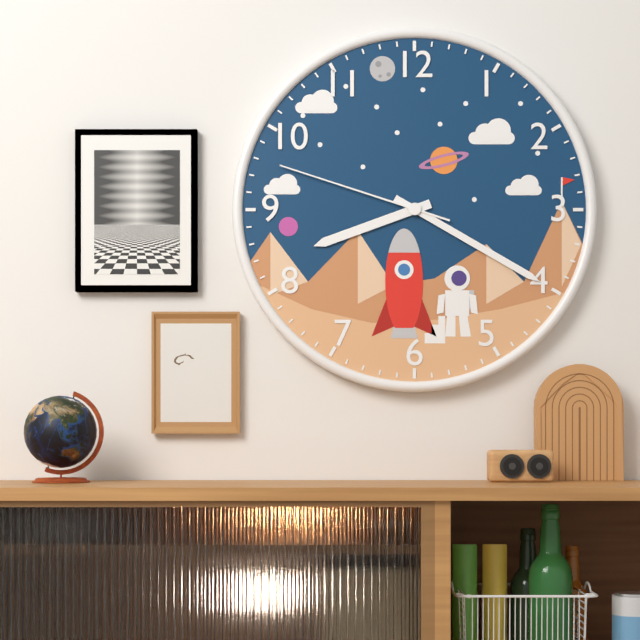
8:20:48
